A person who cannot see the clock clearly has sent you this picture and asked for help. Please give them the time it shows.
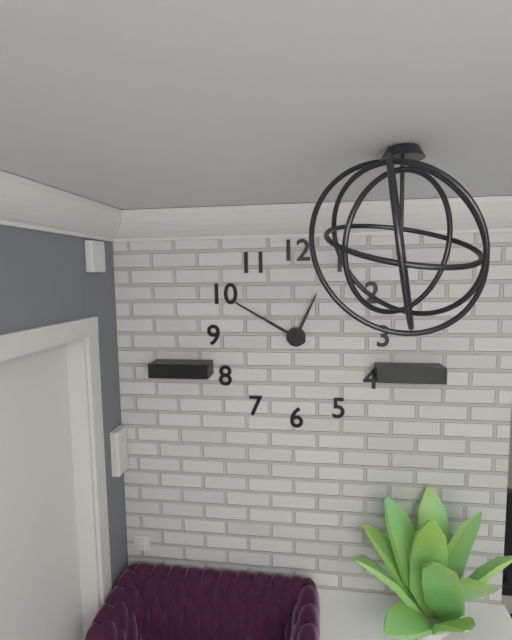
12:50
